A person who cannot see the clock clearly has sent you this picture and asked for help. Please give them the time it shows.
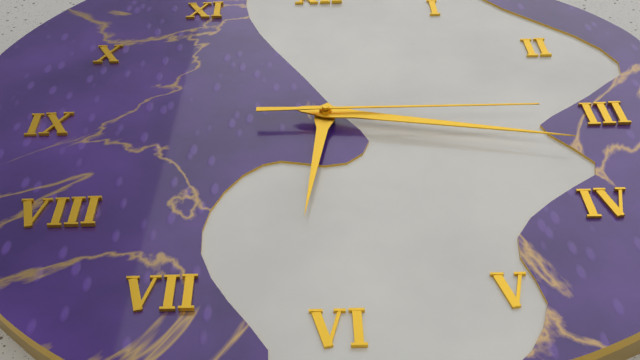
6:17:15
